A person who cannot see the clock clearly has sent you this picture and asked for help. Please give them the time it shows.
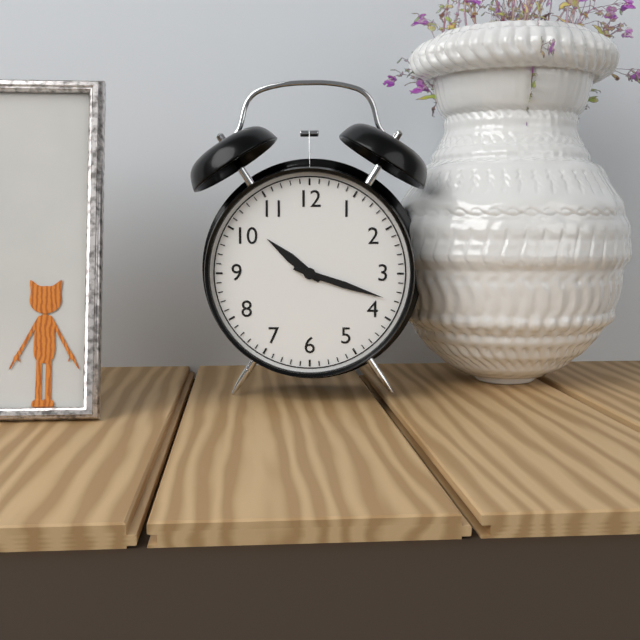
10:18
